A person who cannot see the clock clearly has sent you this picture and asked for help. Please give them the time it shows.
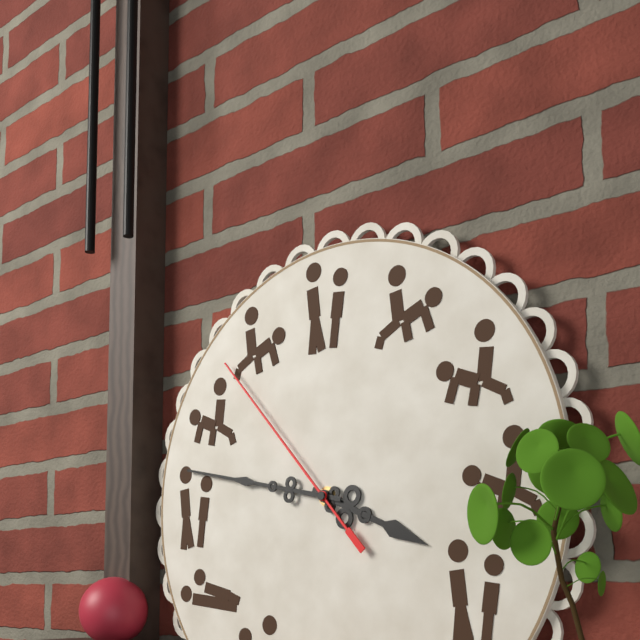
3:47:53
